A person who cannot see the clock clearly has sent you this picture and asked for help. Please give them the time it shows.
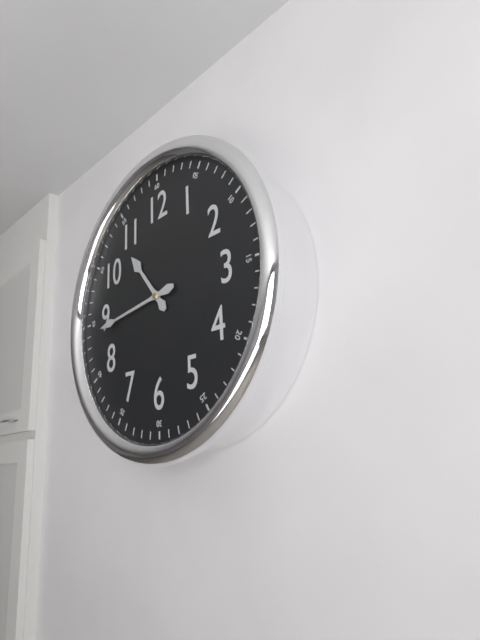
10:44
